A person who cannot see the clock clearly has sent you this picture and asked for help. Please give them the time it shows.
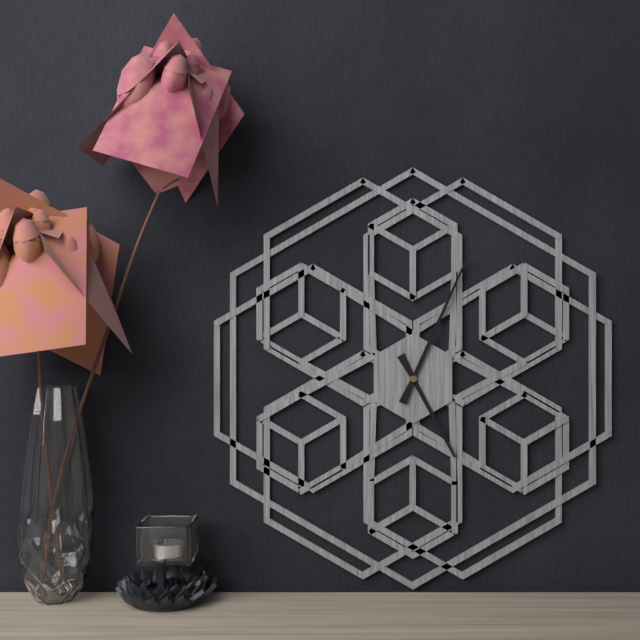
5:04
